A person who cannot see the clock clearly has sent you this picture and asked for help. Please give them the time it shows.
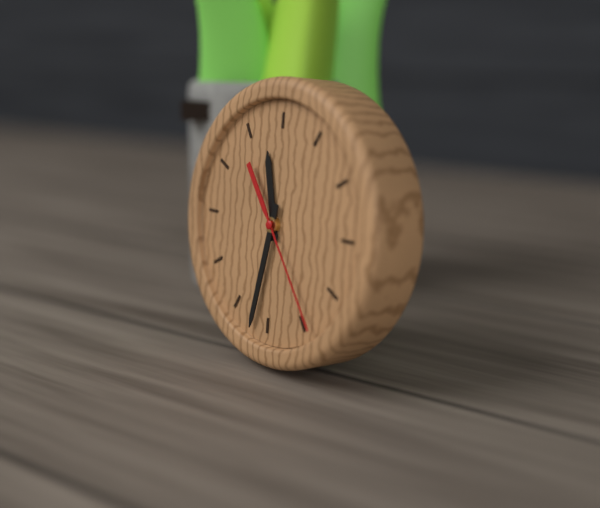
11:32:24
